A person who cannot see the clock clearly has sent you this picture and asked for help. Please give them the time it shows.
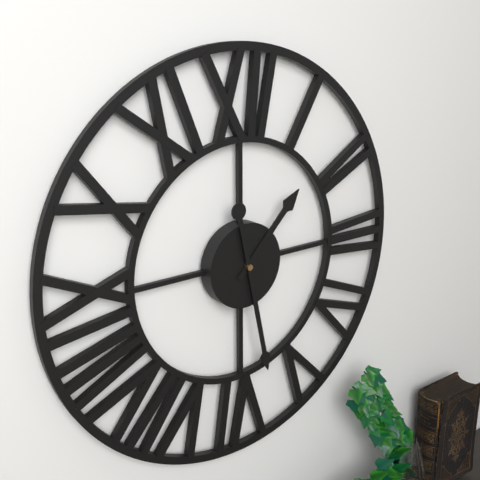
1:28
